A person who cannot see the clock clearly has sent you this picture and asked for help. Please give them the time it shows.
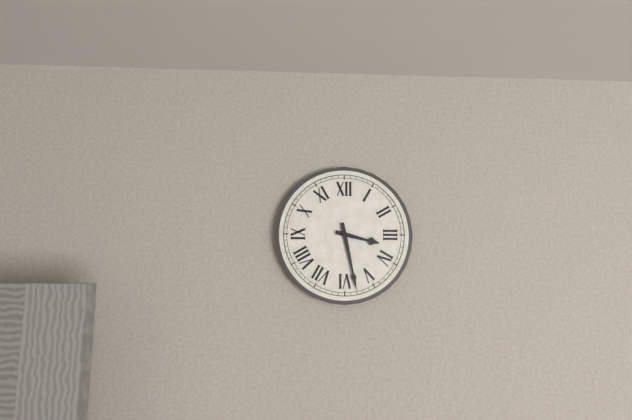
3:28
